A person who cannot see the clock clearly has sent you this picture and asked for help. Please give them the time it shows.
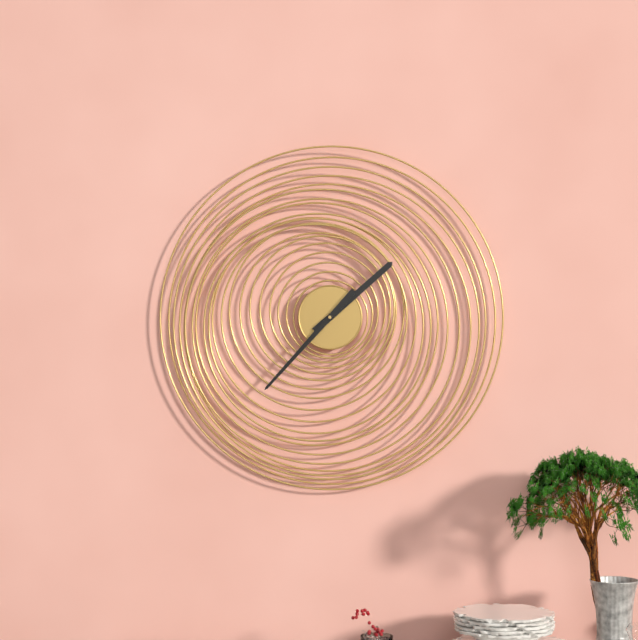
1:37
